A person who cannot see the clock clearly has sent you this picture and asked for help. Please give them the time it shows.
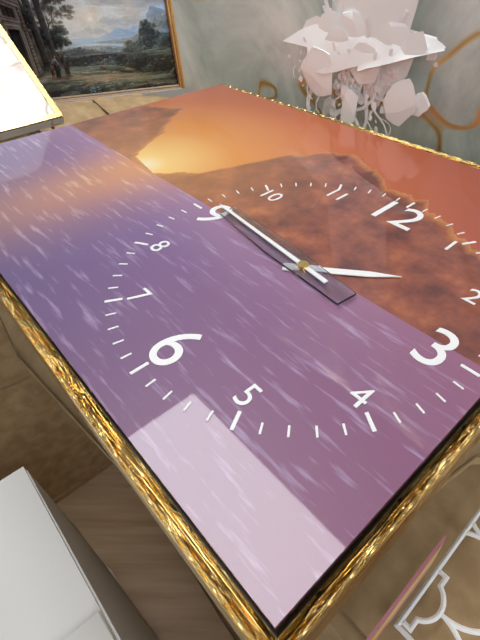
1:46
